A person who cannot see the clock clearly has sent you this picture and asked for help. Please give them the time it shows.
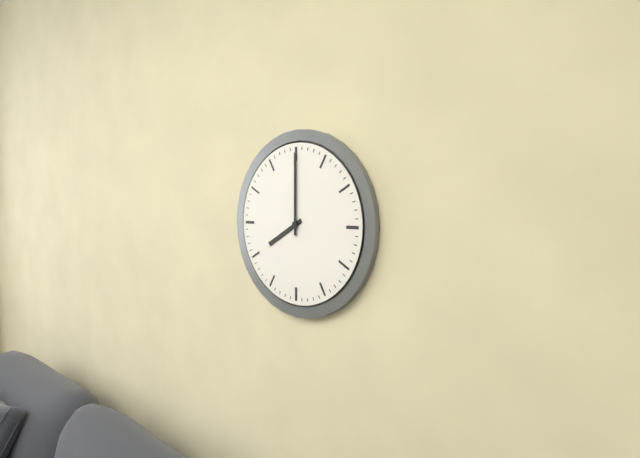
8:00
